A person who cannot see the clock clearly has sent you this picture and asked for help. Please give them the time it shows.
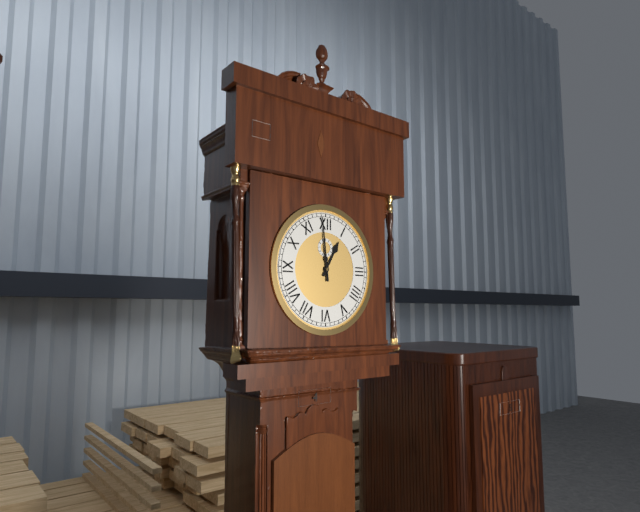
12:59
